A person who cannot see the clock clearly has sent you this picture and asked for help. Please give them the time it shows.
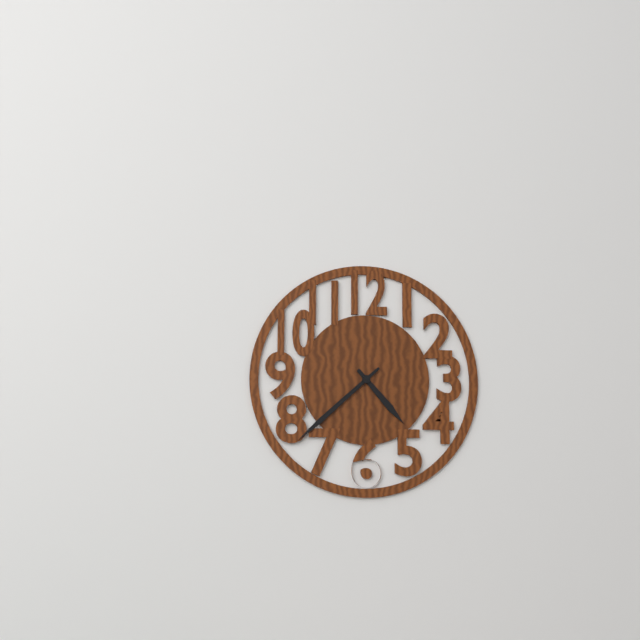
4:38
